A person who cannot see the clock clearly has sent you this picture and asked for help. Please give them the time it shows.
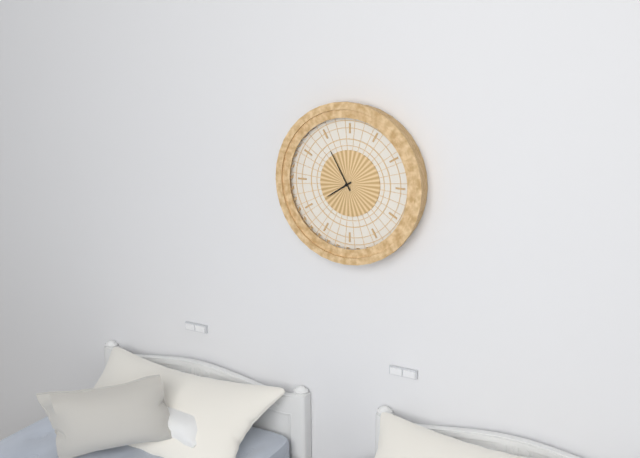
7:55
